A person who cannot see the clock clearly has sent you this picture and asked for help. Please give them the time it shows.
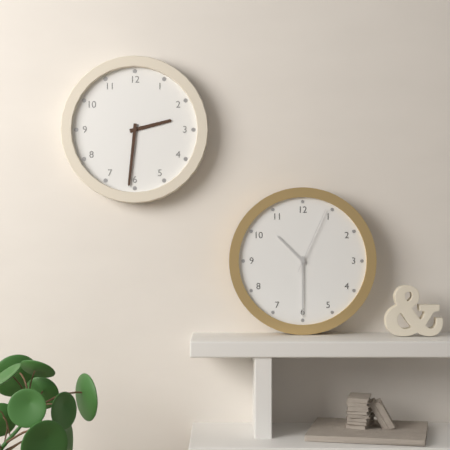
2:31
